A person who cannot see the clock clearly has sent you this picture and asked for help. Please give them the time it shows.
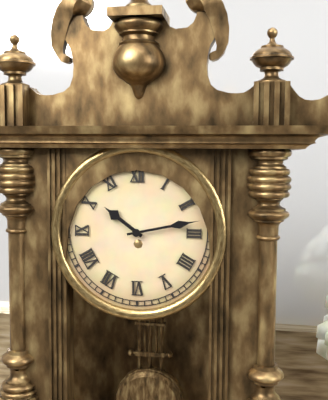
10:13
